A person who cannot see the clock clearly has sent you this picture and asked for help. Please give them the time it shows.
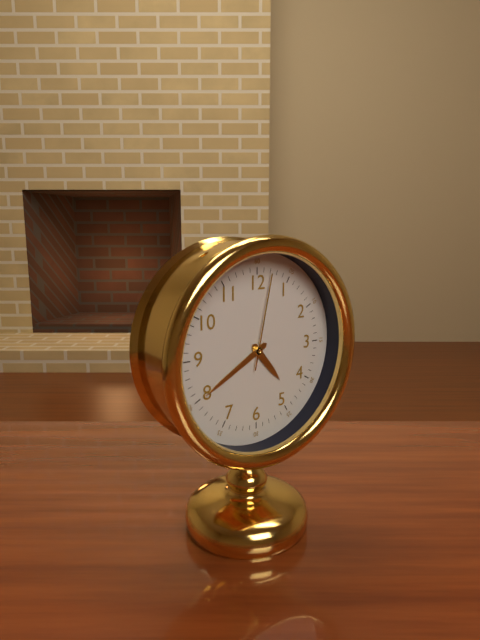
4:40:02
